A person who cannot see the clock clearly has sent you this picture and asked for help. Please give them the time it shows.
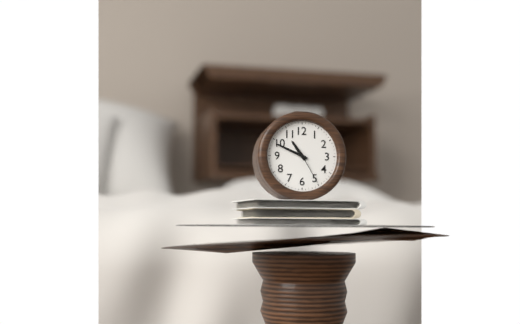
10:49
